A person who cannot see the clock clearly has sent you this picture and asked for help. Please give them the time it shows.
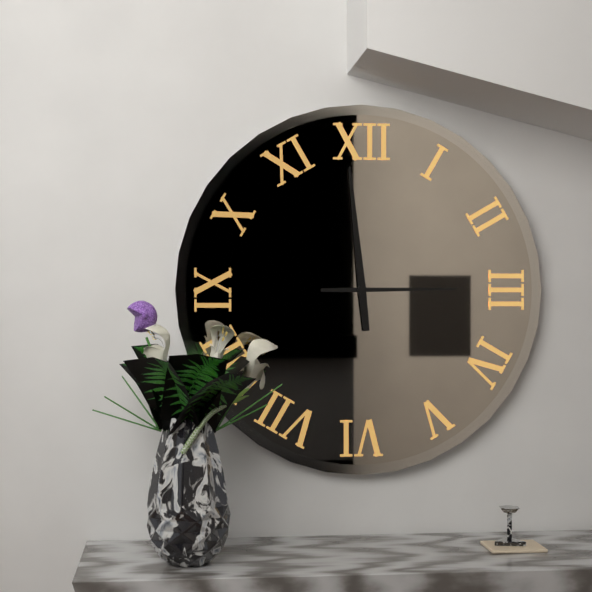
2:59
